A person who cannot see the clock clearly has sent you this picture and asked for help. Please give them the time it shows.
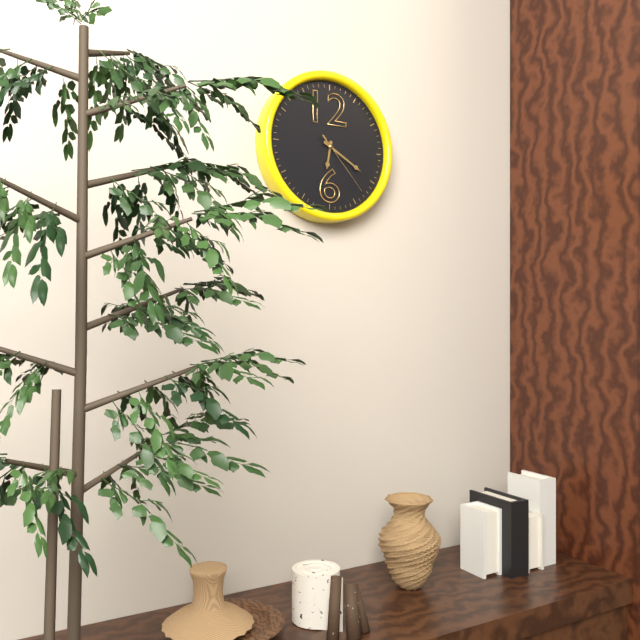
6:20:23
